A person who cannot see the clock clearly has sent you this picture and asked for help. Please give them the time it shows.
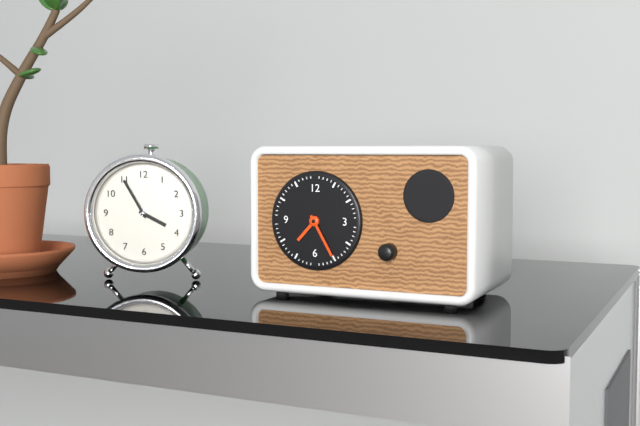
7:25
